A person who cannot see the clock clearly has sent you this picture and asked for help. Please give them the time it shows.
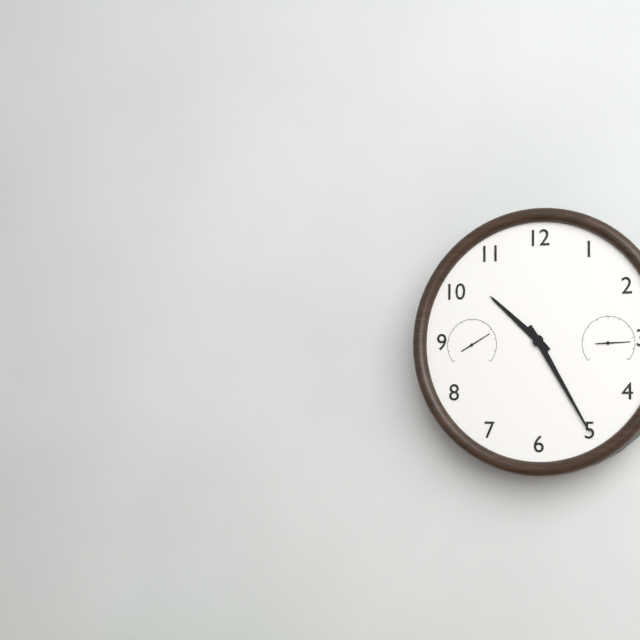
10:25
